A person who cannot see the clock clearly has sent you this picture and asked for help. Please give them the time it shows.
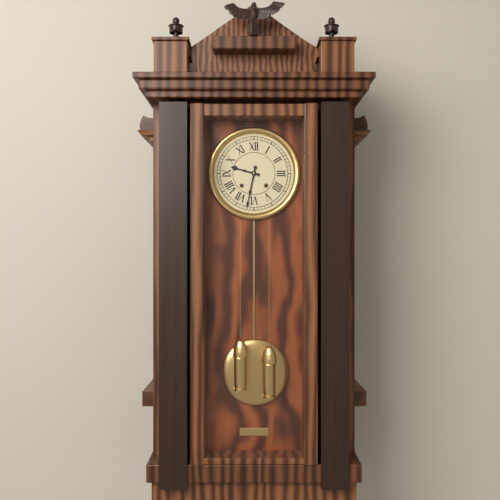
9:32
